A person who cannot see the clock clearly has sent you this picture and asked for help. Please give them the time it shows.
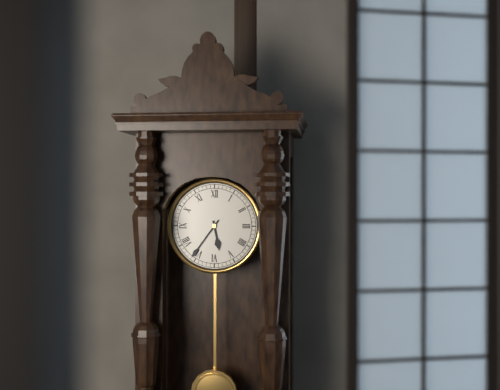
5:36
